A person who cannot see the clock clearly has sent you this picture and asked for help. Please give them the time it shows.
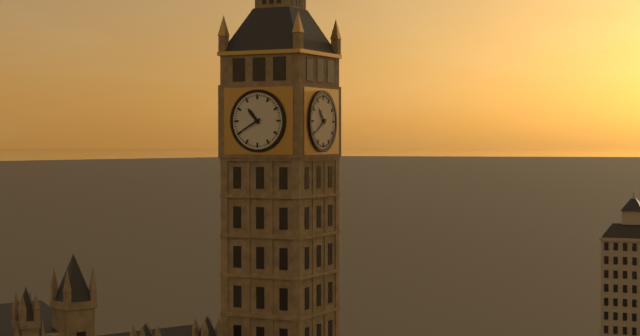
10:40
